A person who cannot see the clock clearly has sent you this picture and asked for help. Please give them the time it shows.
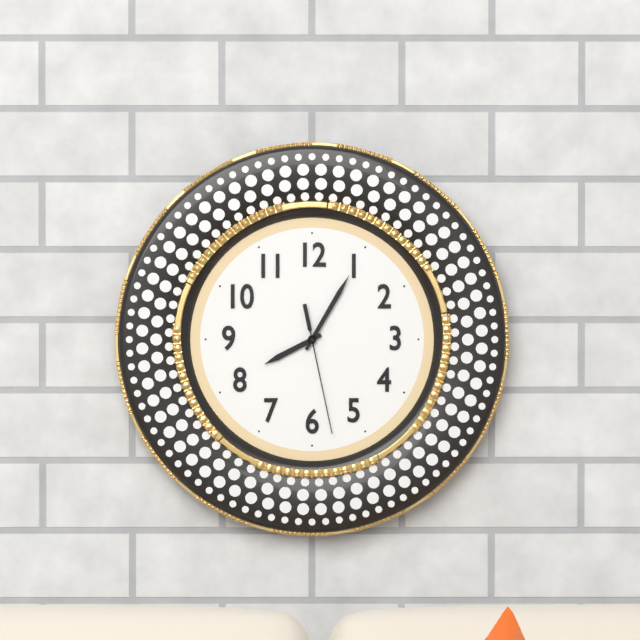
8:05:28
